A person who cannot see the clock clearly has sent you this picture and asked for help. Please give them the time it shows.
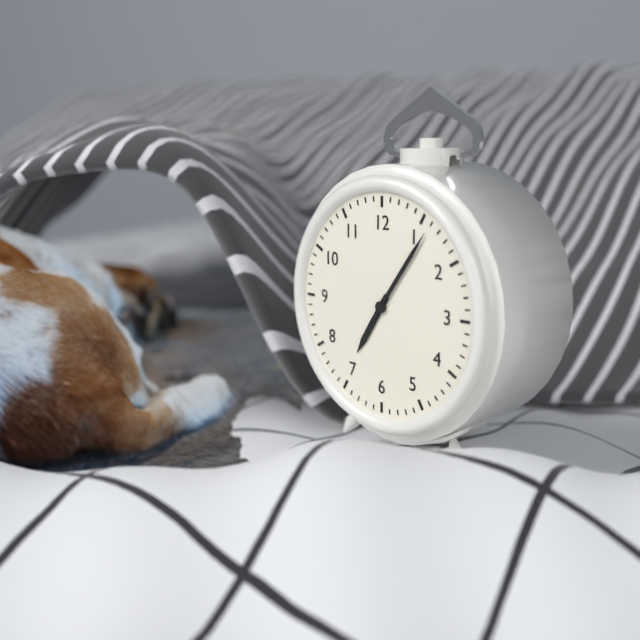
7:06
